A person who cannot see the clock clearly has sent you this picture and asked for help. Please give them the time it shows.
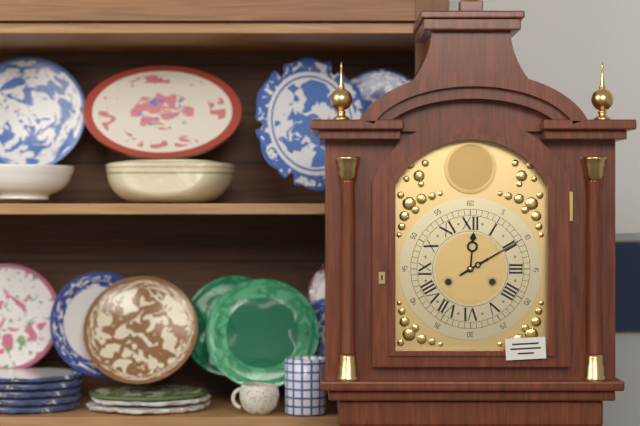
12:10
